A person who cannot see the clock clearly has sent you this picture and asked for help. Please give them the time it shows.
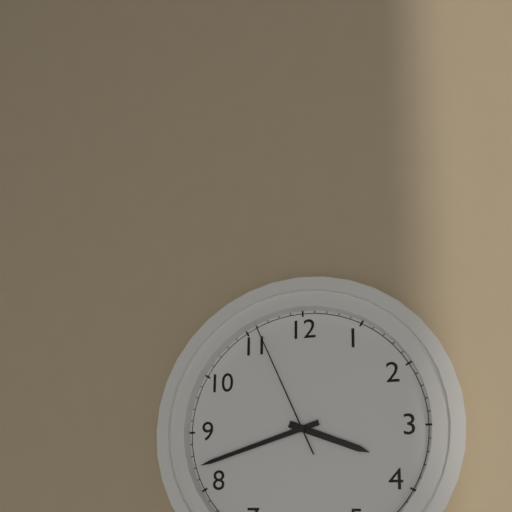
3:42:56
